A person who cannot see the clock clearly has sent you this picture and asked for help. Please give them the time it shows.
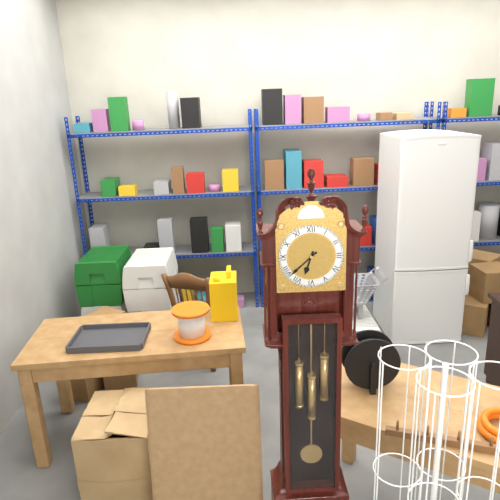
6:38
